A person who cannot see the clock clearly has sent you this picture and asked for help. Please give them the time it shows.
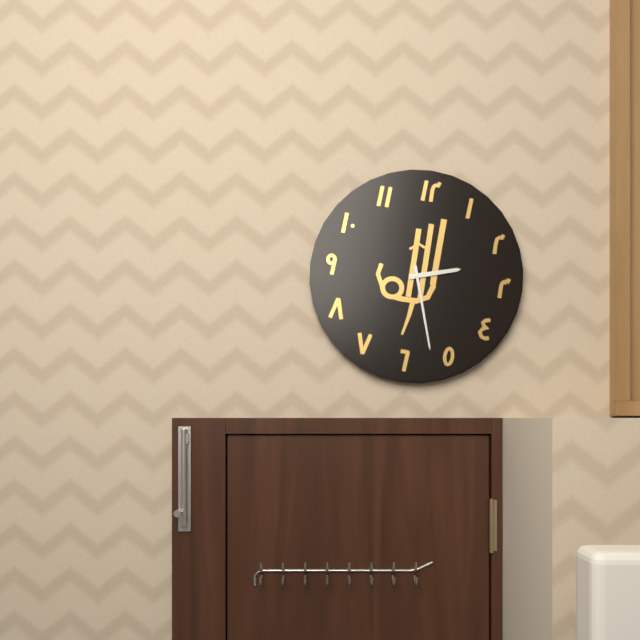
2:27
